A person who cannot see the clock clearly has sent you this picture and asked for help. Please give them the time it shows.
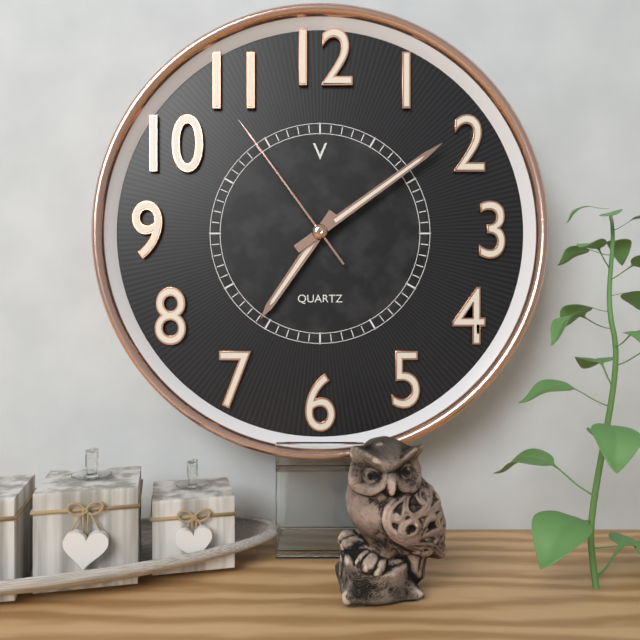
7:09:54
